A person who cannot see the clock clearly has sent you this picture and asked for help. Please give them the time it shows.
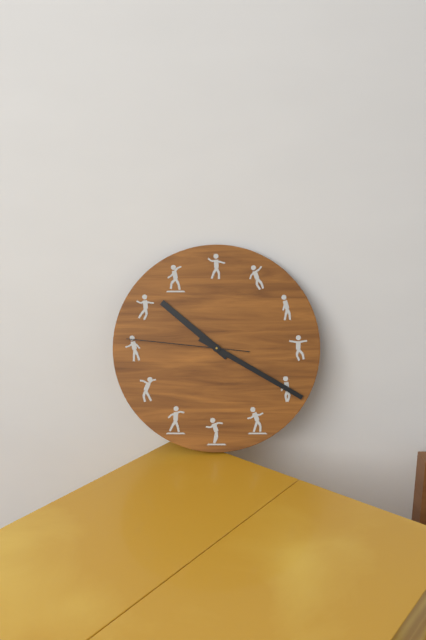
10:20:46
